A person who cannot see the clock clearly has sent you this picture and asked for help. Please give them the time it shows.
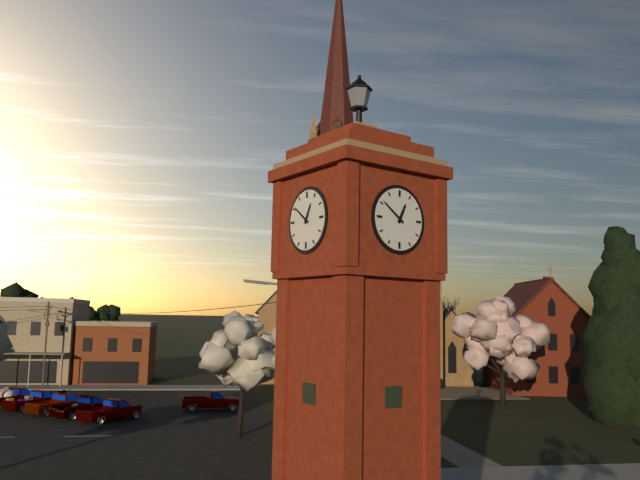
12:51
